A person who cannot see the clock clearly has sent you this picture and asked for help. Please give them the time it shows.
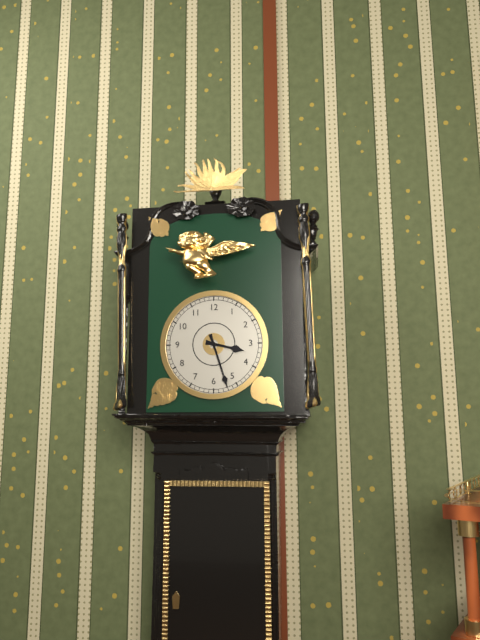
3:27
